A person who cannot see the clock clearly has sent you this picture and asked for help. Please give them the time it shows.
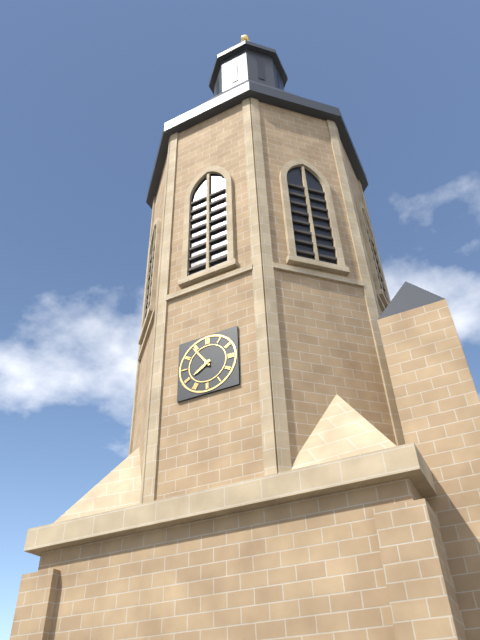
7:54
